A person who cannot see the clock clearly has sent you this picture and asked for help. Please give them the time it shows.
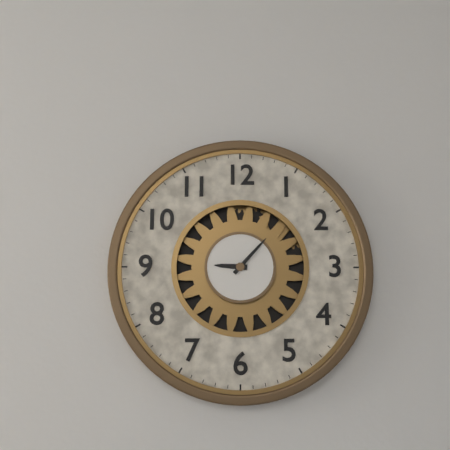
9:07
